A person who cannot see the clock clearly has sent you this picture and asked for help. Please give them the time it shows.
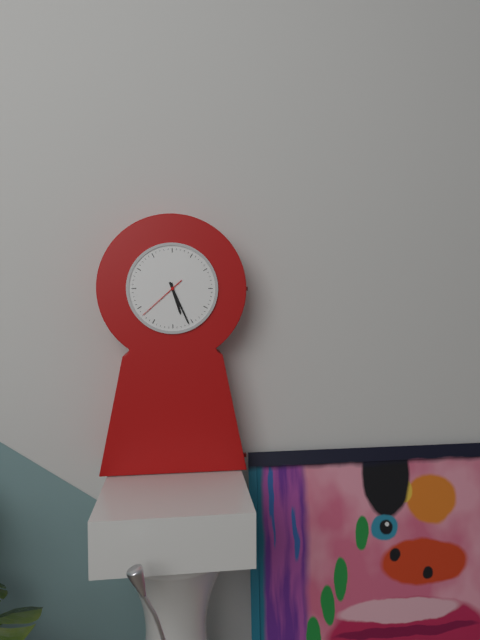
5:26:38
